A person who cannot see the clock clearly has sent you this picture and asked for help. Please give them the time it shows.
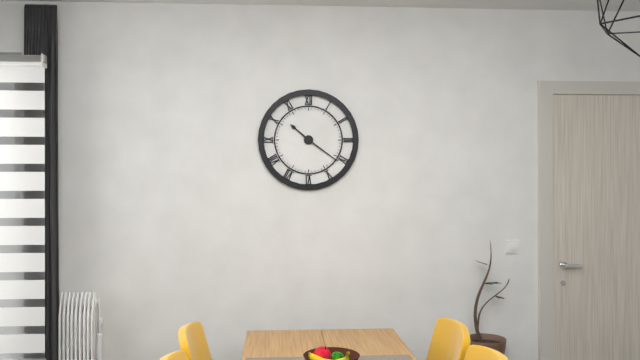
10:21
